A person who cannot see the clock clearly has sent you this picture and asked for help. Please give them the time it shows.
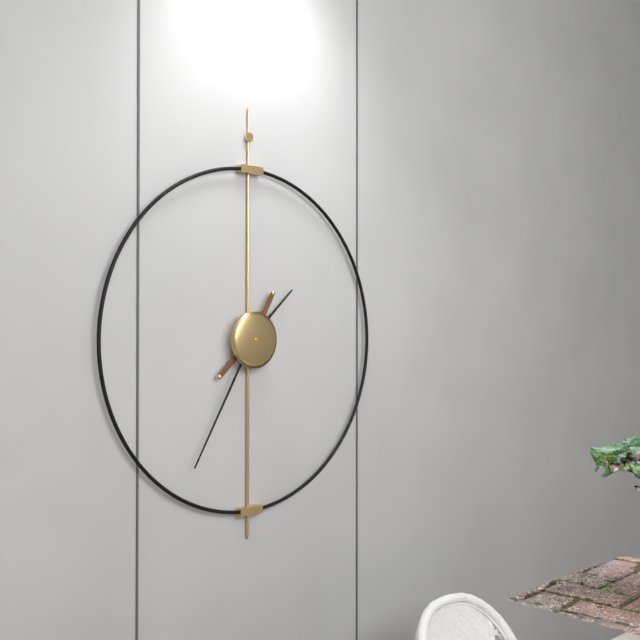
1:35
